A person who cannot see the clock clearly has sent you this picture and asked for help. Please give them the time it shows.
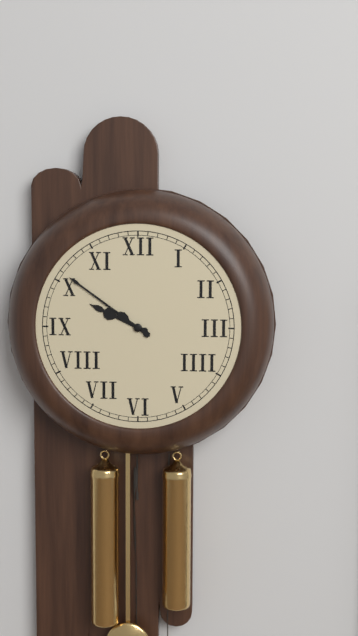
9:51
